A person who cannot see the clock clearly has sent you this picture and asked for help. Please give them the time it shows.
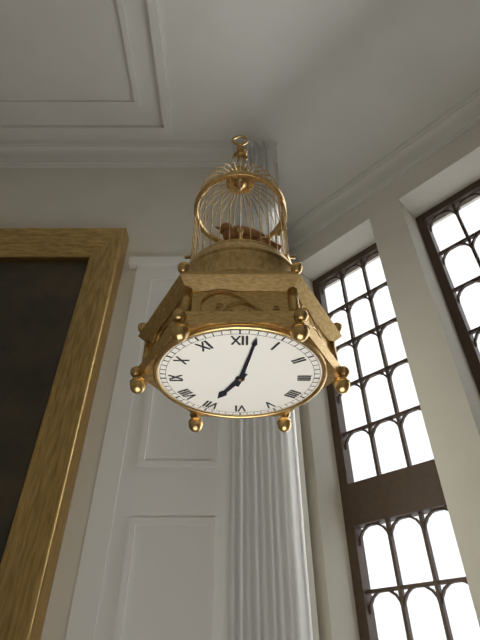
7:02
